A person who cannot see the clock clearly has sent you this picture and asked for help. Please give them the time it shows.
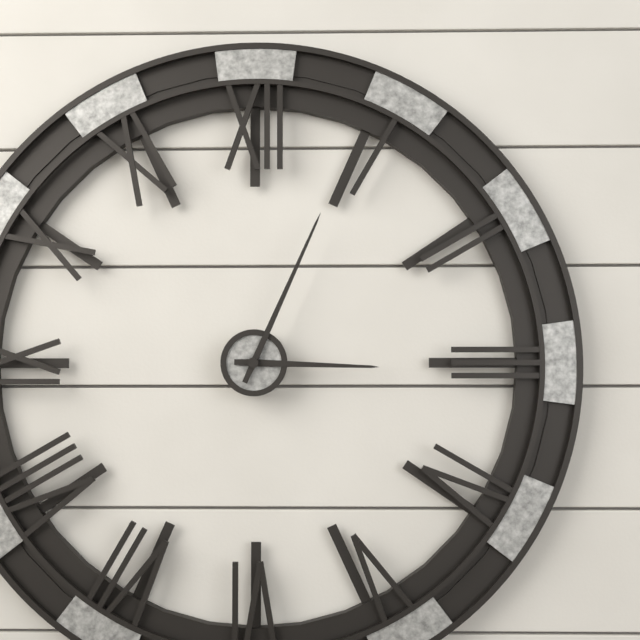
3:04
